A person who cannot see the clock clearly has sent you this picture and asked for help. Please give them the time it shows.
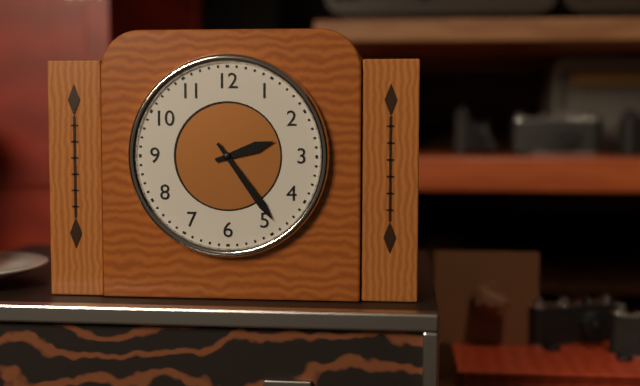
2:24
